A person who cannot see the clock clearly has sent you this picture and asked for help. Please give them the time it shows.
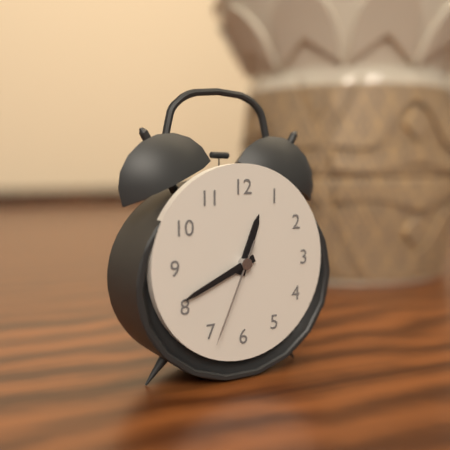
12:41:34
